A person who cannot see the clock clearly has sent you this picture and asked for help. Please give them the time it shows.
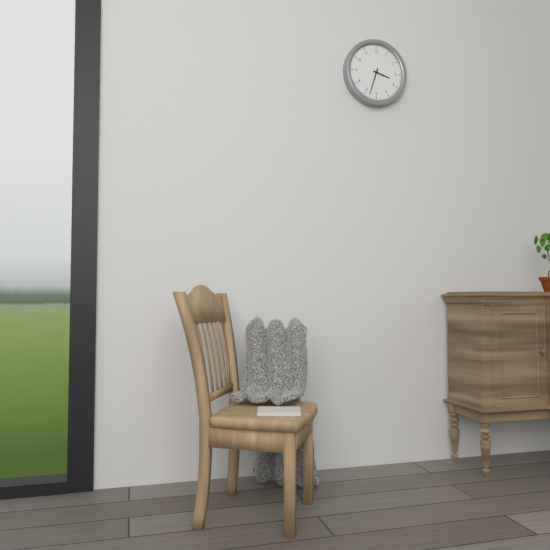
3:33
